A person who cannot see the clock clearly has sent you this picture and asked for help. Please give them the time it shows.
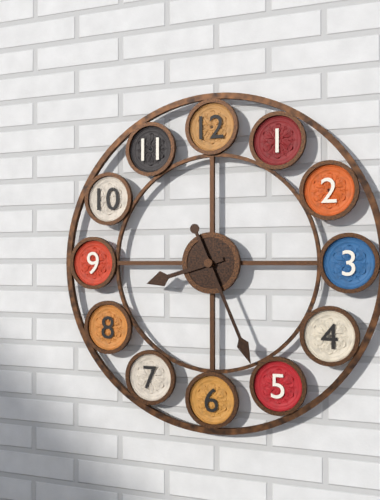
8:26
